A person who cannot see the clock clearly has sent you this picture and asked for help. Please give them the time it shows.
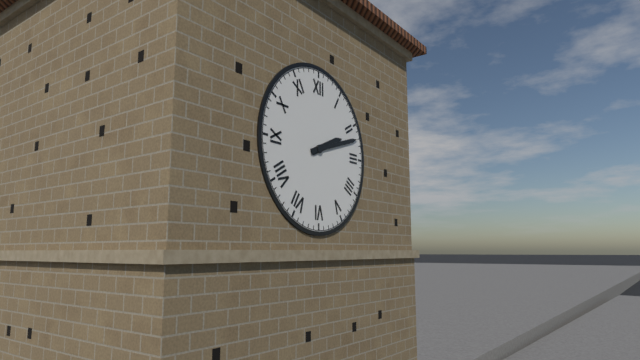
2:12
